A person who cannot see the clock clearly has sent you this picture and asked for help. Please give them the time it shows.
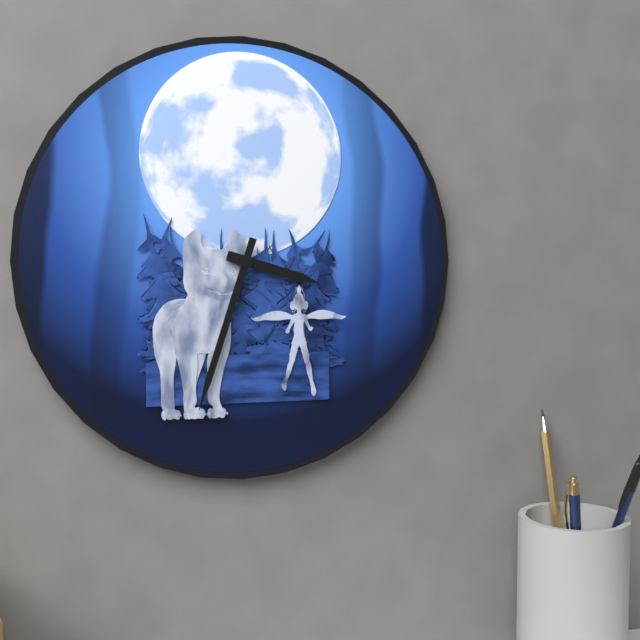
3:33
